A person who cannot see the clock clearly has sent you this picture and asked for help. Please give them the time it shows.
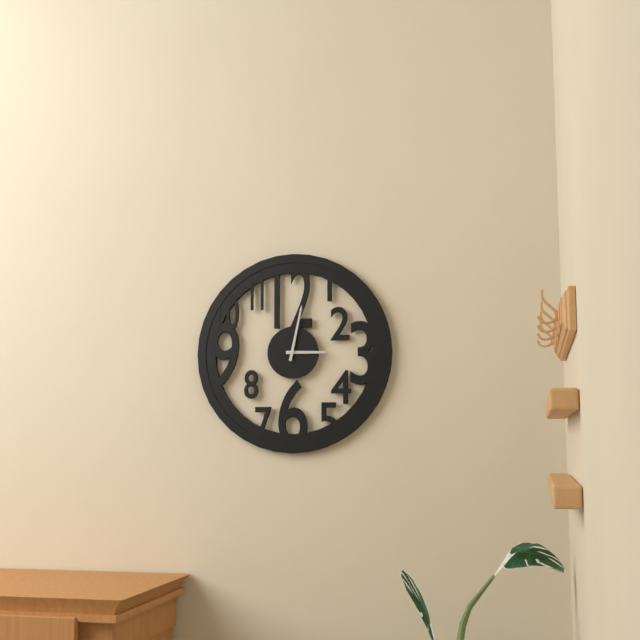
3:02
